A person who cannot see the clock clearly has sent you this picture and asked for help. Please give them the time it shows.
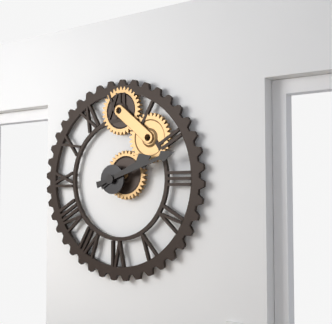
2:12
